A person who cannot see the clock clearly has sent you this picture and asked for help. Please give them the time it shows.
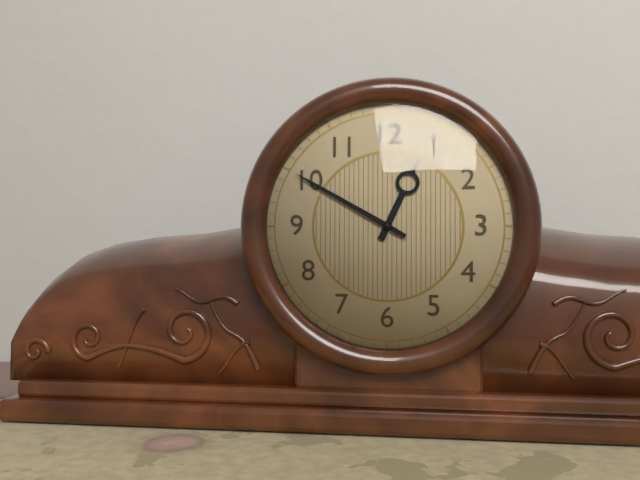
12:50
